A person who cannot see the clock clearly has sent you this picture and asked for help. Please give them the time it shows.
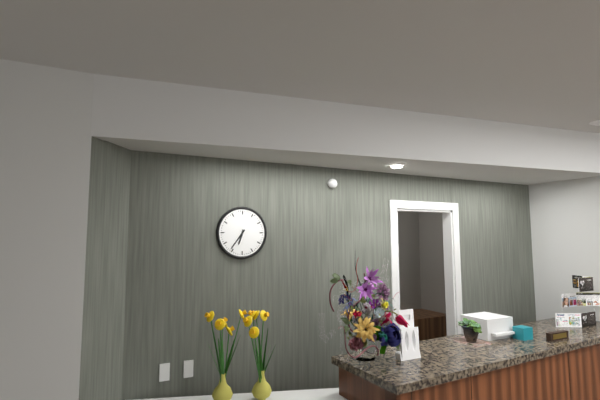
6:36
